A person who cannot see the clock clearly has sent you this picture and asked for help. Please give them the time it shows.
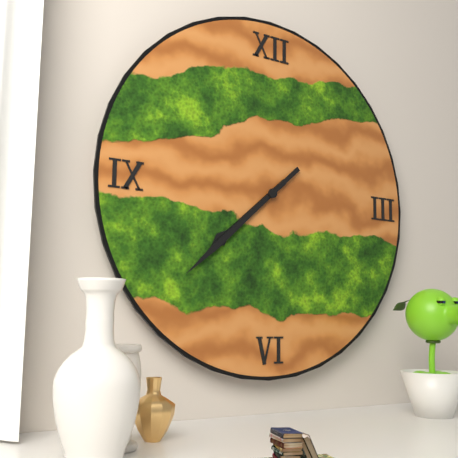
7:38
